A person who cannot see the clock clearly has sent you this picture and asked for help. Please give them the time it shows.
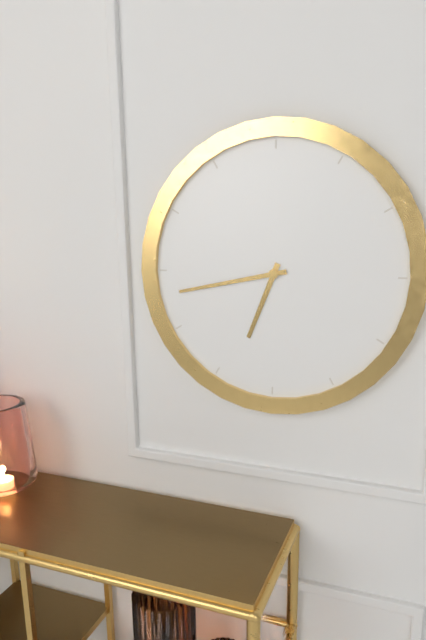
6:43
